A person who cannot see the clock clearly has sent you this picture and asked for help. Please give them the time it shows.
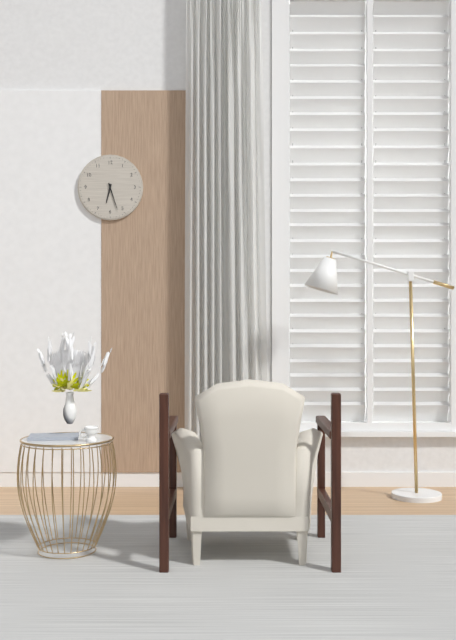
6:27
